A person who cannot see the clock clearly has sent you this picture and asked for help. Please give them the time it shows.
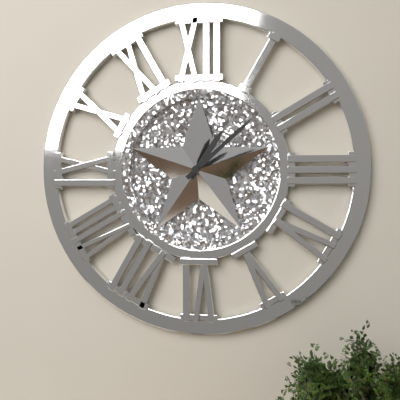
1:08
